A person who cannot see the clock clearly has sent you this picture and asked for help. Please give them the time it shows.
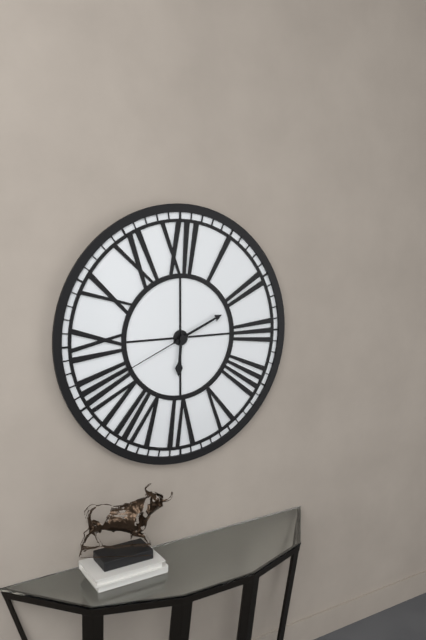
6:11:41
